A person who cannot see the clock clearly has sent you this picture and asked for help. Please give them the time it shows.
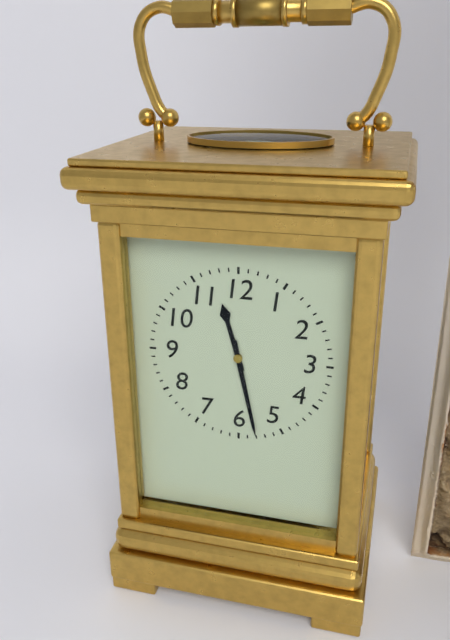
11:28
